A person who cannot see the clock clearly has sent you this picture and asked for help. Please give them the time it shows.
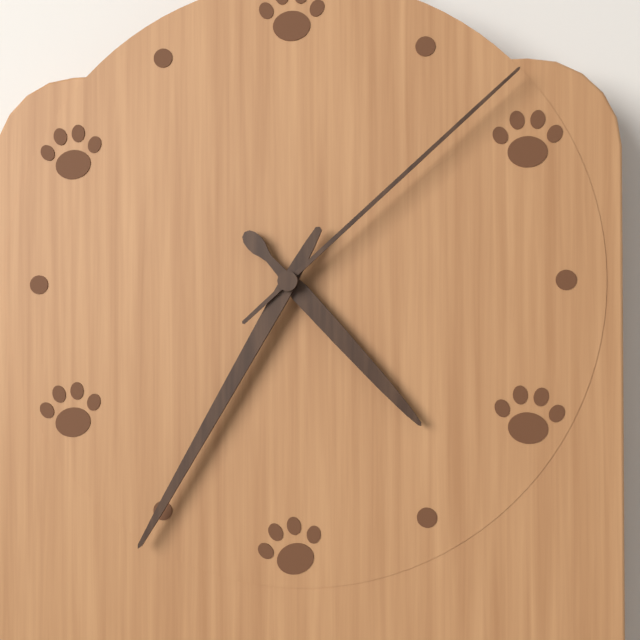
4:35:08
